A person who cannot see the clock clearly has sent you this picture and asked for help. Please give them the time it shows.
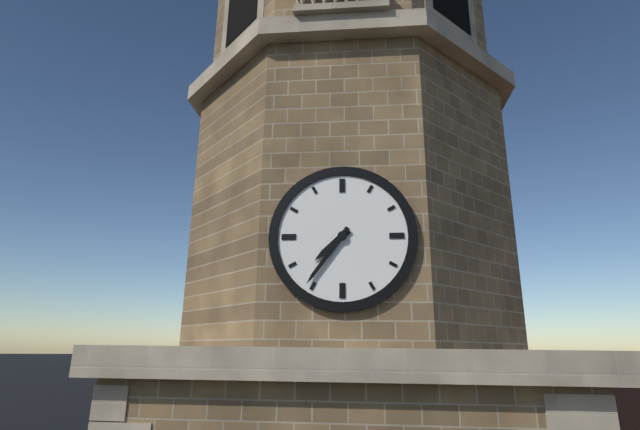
7:36
